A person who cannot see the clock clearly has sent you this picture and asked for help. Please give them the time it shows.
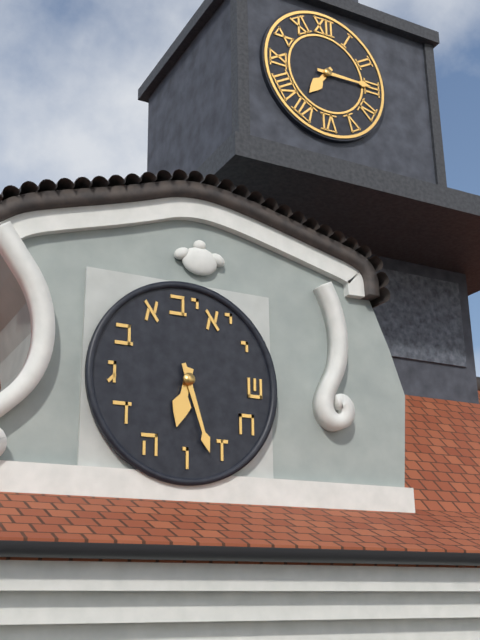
6:27
